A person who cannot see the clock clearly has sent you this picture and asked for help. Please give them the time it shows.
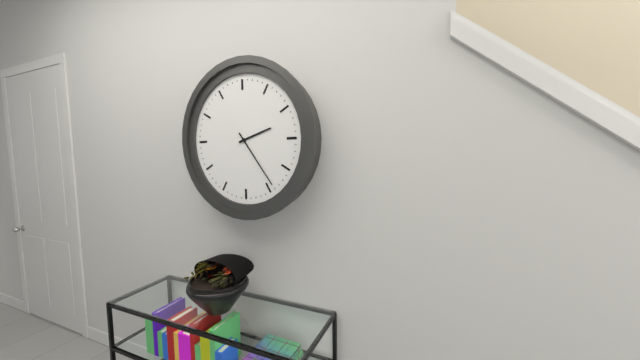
2:24
